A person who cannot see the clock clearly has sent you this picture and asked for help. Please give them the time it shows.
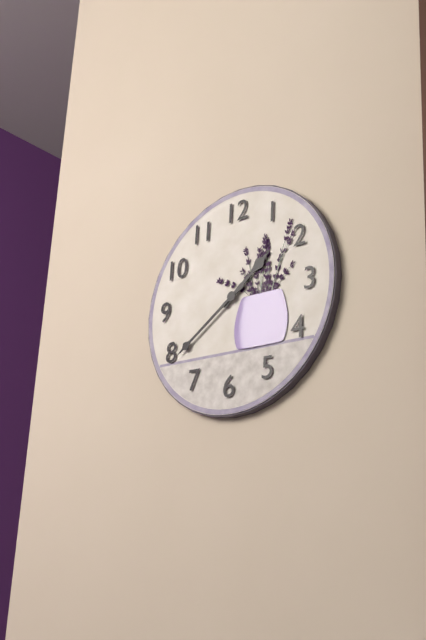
1:39
